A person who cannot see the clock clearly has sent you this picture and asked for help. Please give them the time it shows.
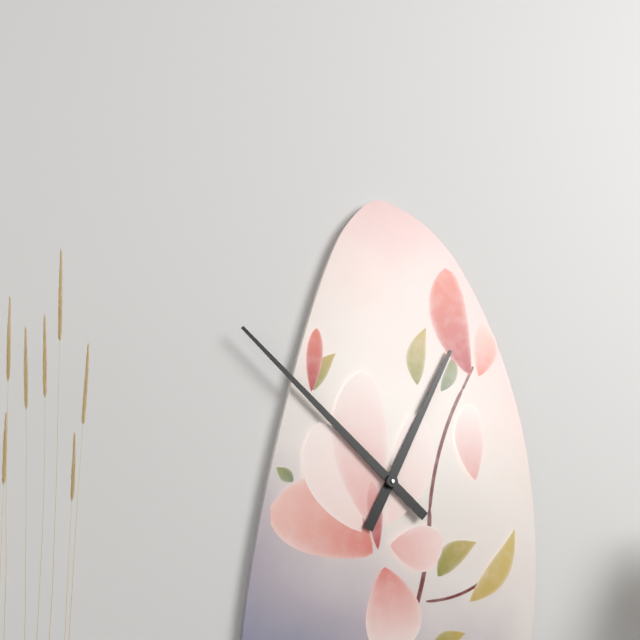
12:52
